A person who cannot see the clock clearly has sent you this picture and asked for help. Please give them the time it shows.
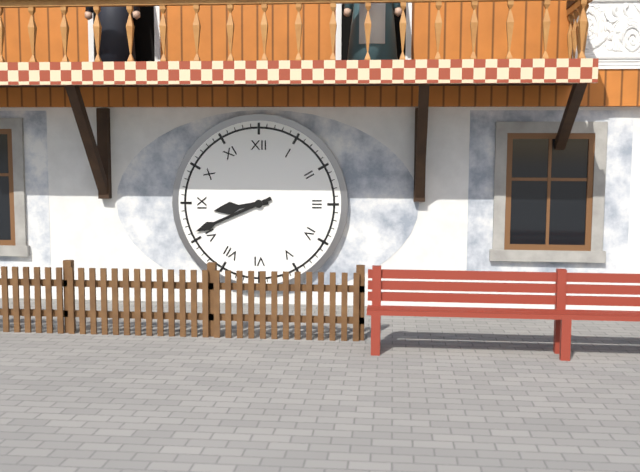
8:41
